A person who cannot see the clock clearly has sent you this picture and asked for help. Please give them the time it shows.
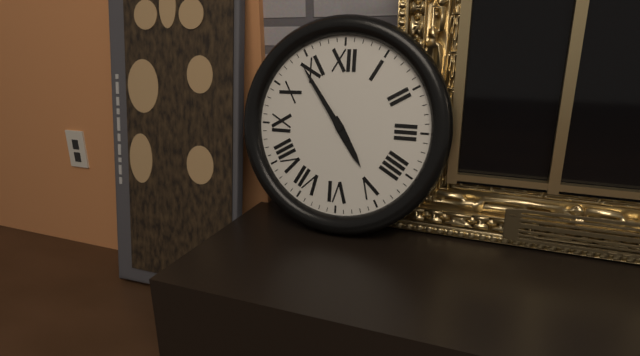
4:54
